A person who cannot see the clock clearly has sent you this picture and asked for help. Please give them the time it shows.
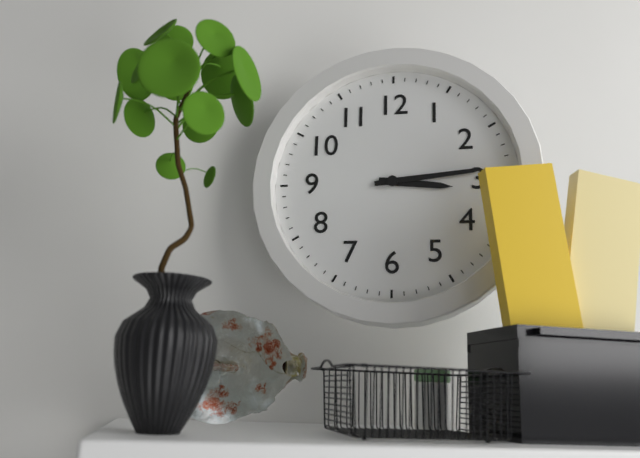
3:14
